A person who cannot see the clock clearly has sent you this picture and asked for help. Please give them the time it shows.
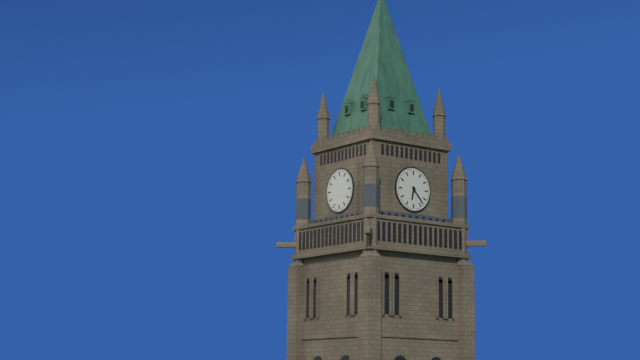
6:23
